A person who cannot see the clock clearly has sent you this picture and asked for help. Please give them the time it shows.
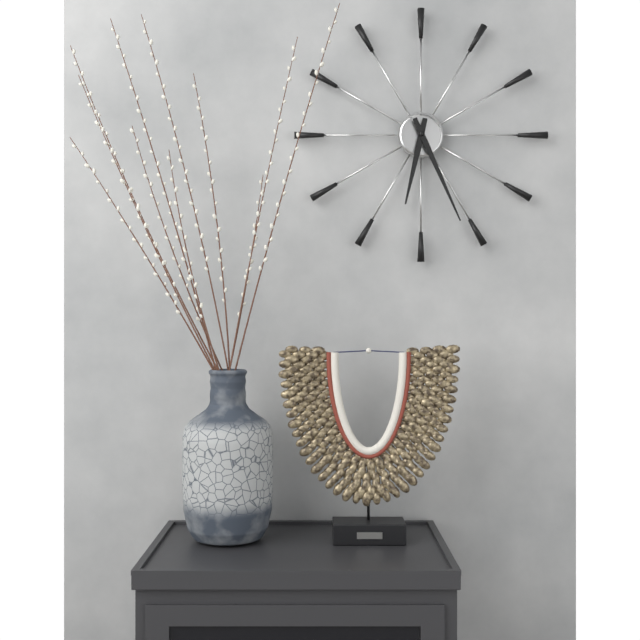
6:26
